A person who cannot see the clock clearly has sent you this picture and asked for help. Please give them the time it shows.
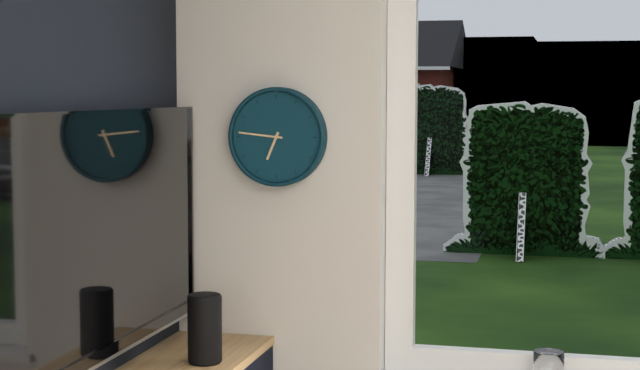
6:46
